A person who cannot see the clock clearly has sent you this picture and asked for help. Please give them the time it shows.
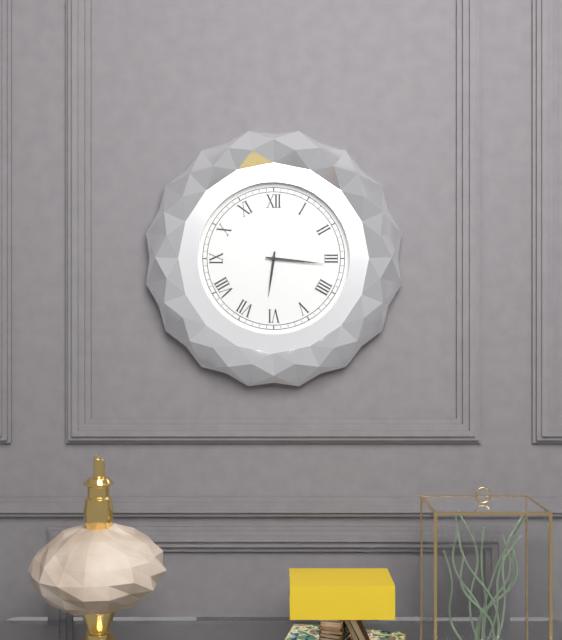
6:16
